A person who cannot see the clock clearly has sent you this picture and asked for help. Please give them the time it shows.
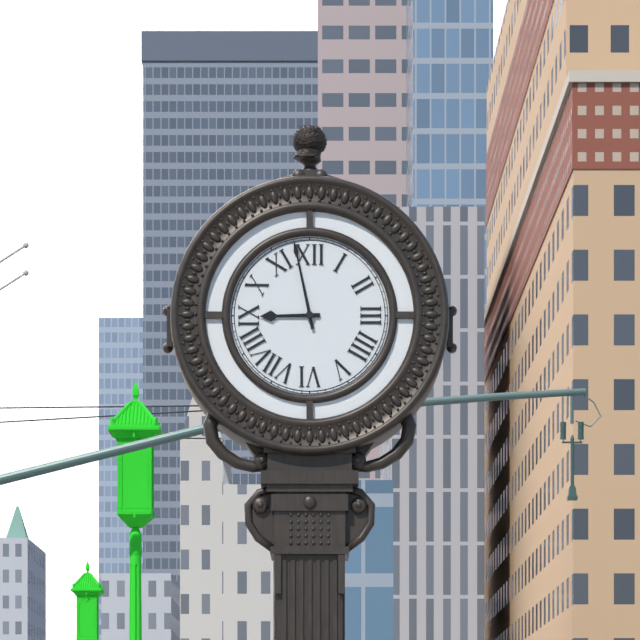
8:58
